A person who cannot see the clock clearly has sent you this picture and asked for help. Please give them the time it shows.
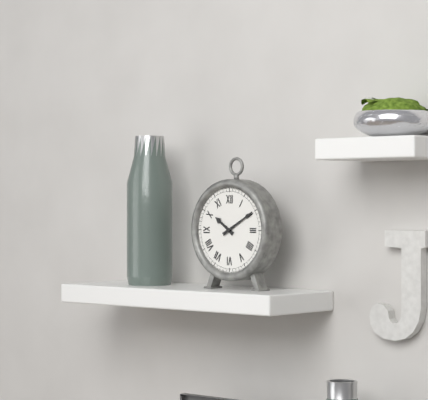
10:10
